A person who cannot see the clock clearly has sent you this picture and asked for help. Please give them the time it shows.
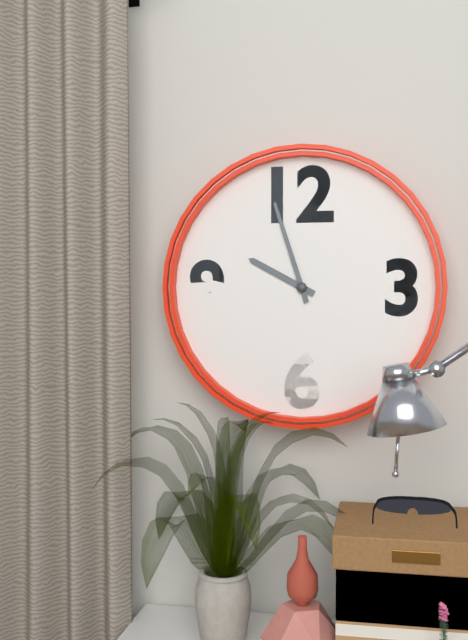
9:57
